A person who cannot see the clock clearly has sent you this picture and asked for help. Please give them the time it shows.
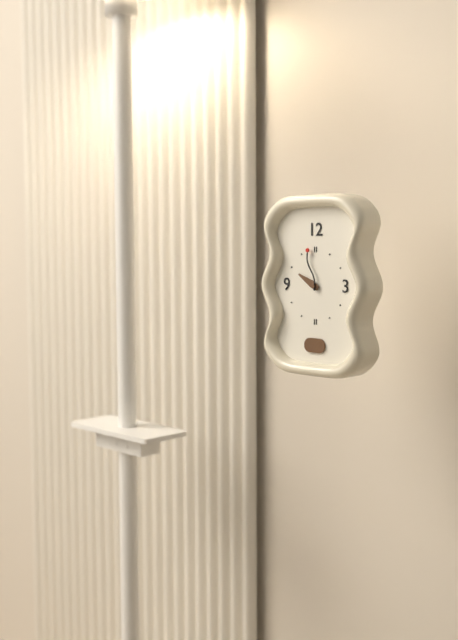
9:58
